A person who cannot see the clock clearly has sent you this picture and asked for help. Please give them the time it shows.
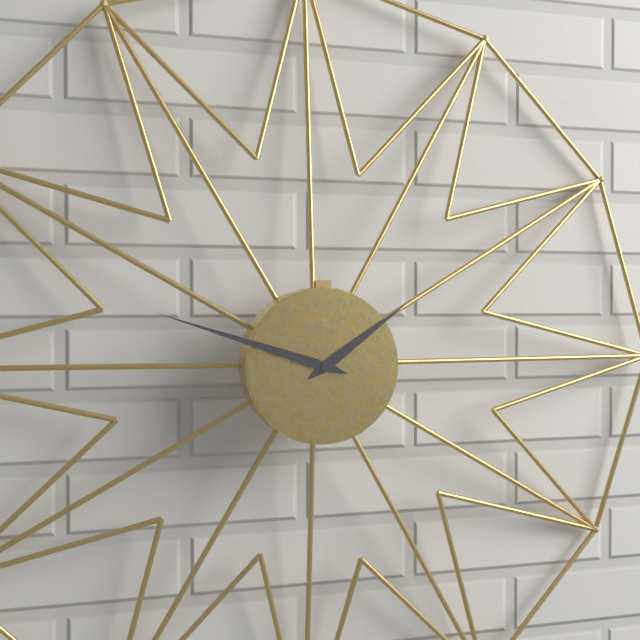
1:48
